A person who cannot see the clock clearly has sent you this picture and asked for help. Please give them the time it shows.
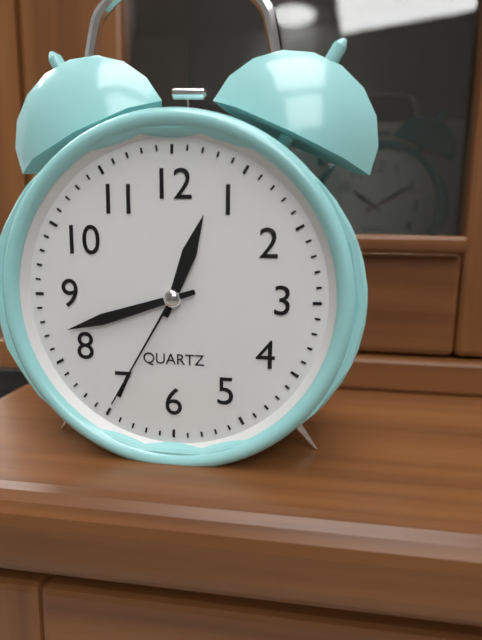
12:42:35
